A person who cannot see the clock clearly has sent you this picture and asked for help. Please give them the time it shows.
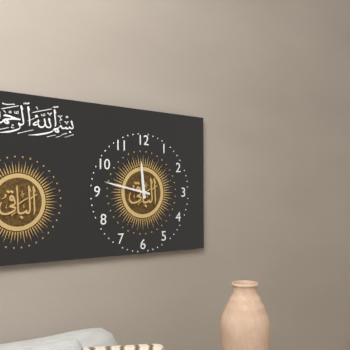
11:47
